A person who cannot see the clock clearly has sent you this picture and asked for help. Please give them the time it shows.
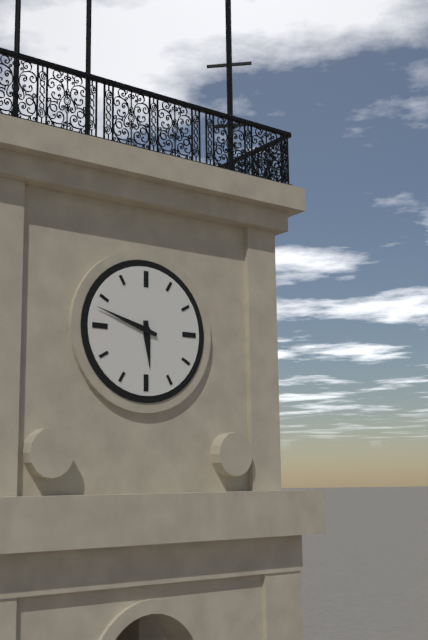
5:48
